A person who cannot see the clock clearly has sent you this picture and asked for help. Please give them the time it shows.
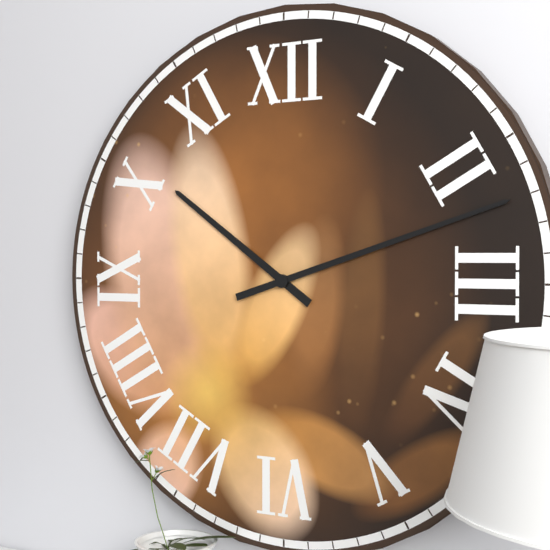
10:12
